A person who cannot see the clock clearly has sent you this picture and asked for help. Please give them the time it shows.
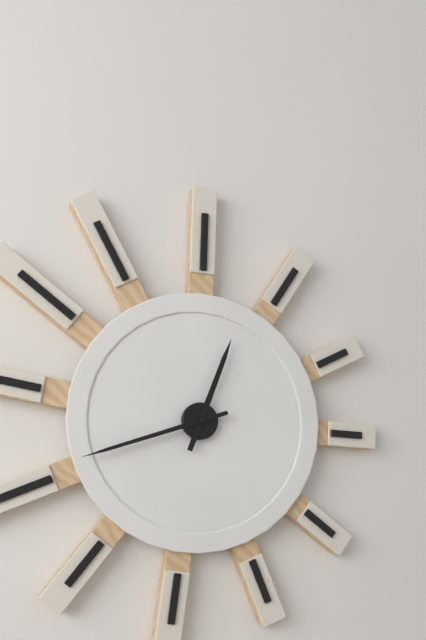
12:42
